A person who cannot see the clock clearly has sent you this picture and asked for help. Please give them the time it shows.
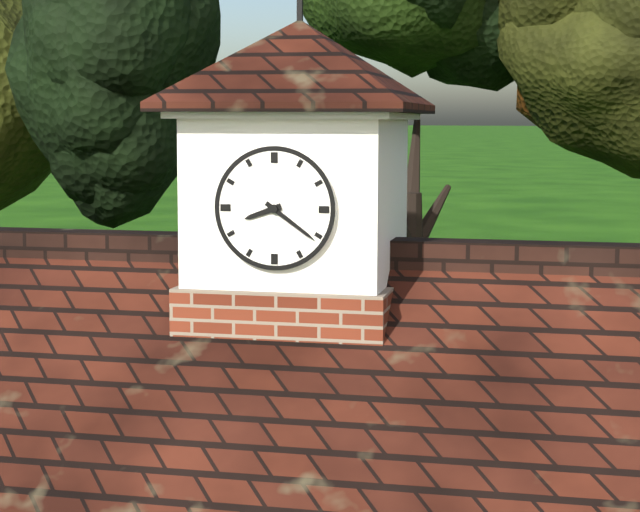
8:21
